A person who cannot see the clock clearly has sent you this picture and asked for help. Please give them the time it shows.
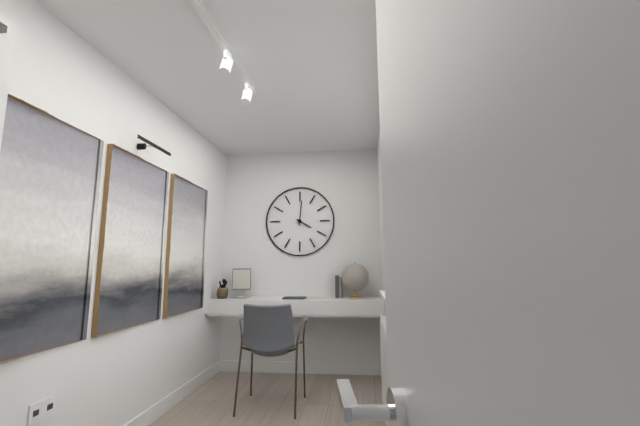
4:01
